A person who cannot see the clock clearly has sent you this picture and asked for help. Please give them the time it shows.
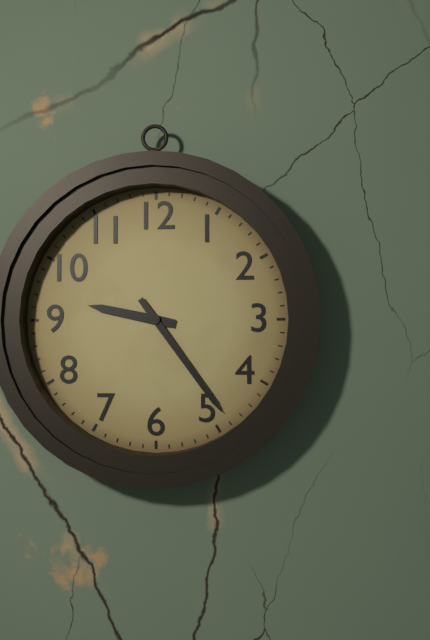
9:24
